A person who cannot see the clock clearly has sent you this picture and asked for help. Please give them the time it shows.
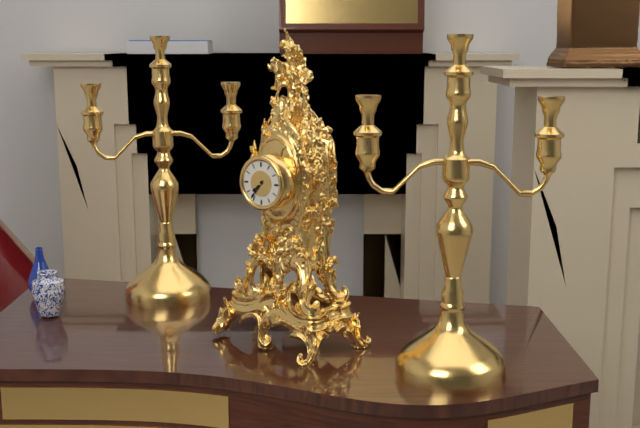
7:36
